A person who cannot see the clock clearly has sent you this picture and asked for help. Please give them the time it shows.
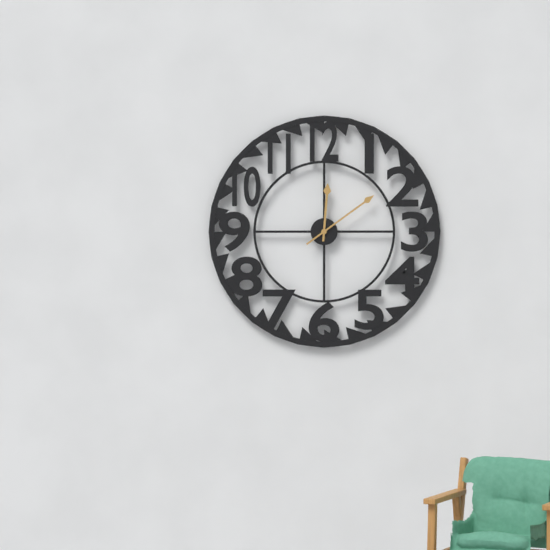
12:09
